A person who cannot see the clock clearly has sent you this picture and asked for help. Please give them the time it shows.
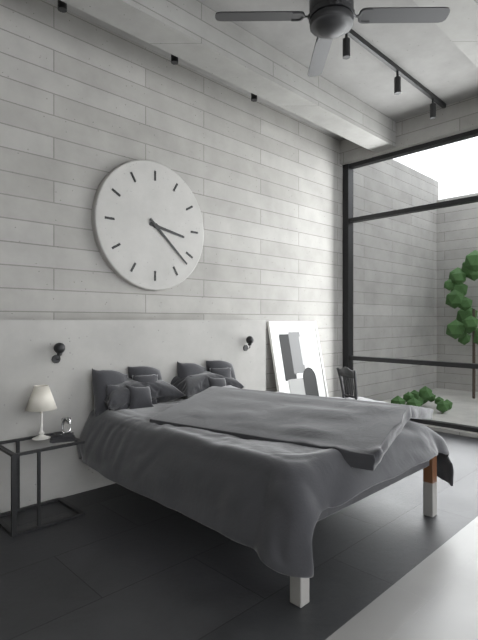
3:22
